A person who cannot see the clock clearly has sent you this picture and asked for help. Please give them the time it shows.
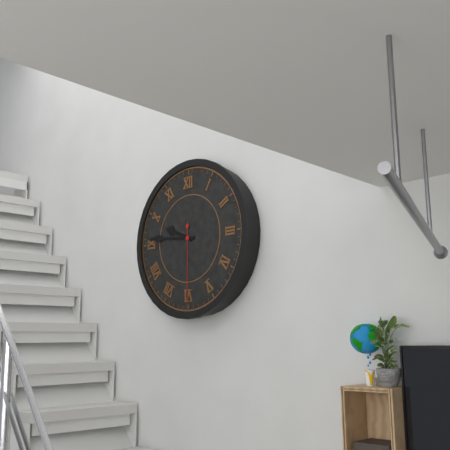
9:46:30
